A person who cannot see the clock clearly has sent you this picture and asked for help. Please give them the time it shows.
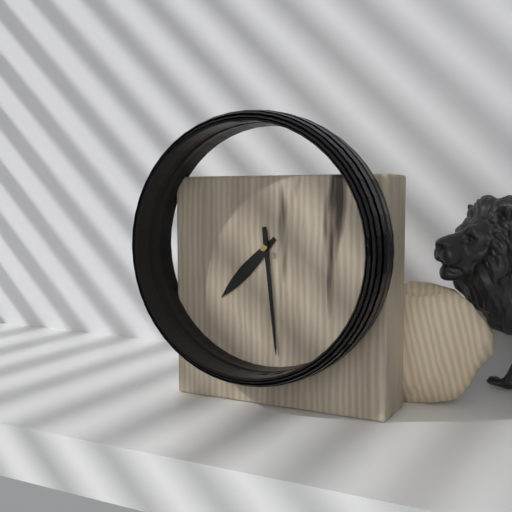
7:29
